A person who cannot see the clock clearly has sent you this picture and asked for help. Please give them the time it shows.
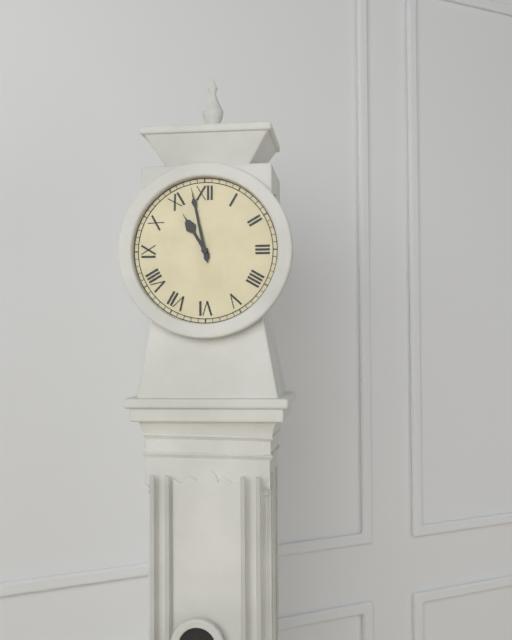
10:58
